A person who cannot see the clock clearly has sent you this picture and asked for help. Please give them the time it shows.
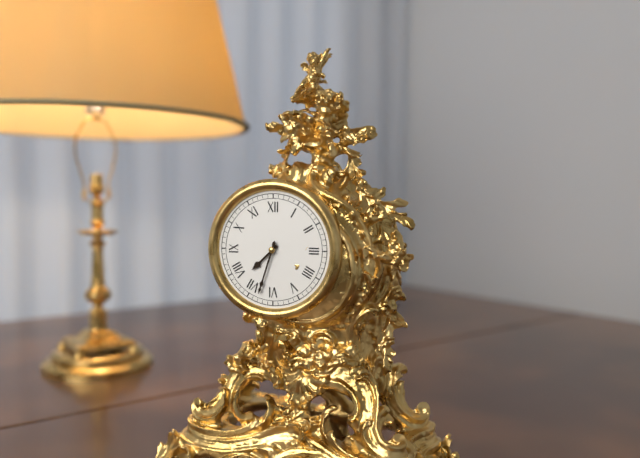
7:33
